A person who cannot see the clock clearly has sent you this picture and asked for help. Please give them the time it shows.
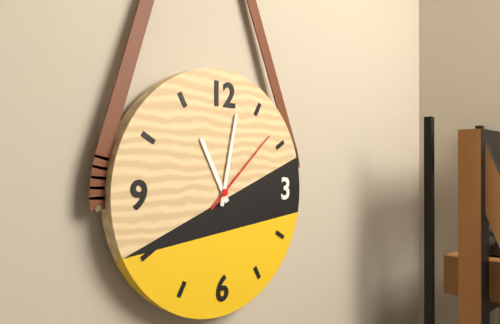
11:02:08
